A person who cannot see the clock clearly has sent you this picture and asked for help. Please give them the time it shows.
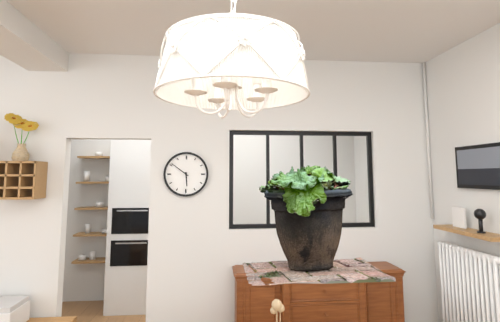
5:51
